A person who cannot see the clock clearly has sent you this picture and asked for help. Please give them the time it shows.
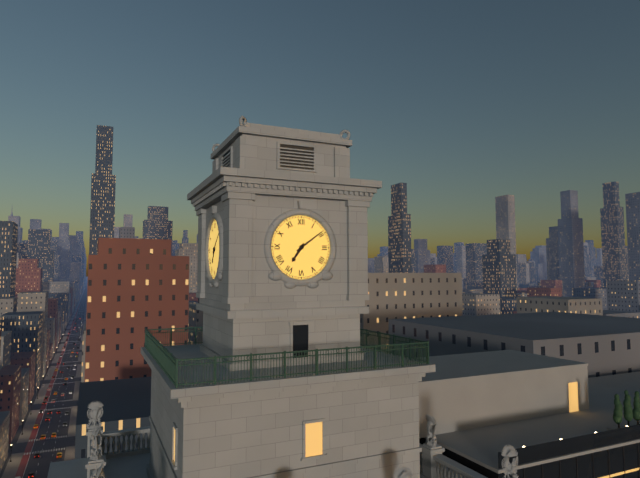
7:09
